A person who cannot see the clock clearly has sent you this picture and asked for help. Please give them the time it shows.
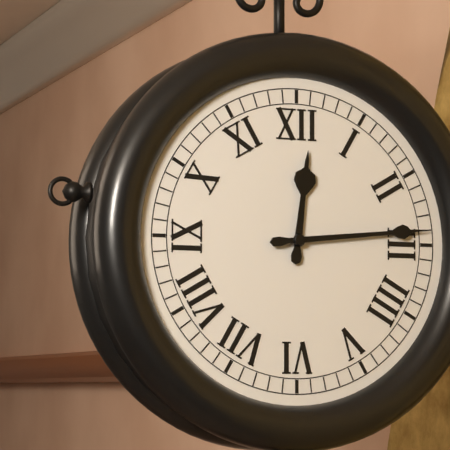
12:14
